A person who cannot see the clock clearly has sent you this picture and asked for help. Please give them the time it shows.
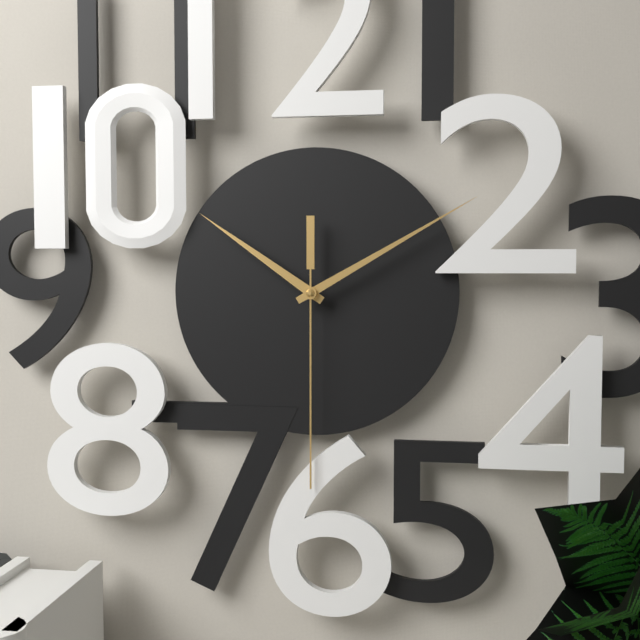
10:10:30
